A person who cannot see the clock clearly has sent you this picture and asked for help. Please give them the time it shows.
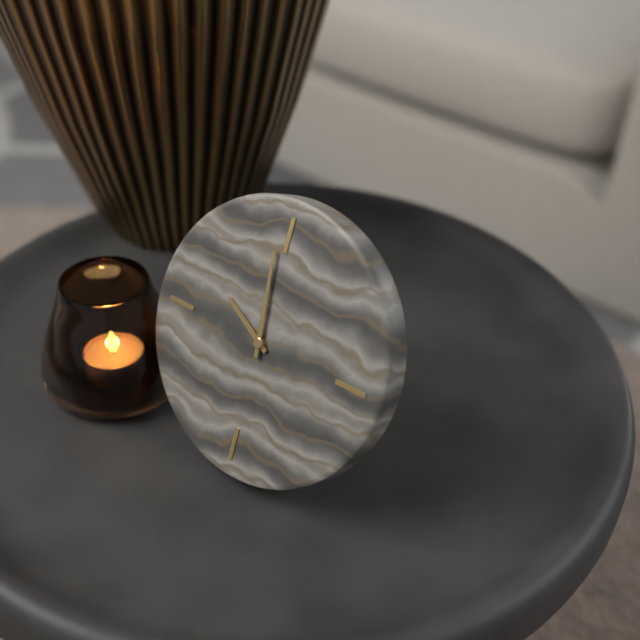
9:59
